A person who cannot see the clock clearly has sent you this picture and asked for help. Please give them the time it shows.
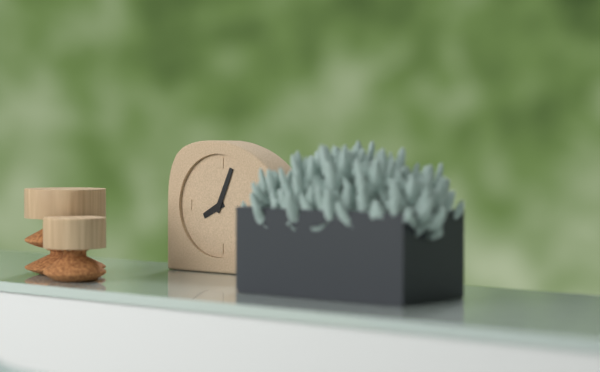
8:04
